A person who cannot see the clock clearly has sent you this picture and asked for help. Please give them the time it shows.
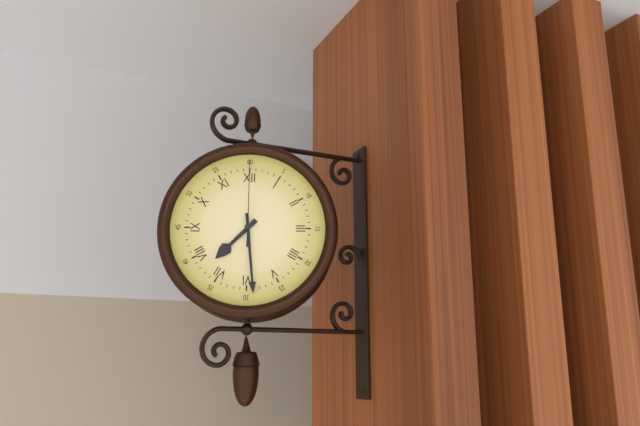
7:29:00
